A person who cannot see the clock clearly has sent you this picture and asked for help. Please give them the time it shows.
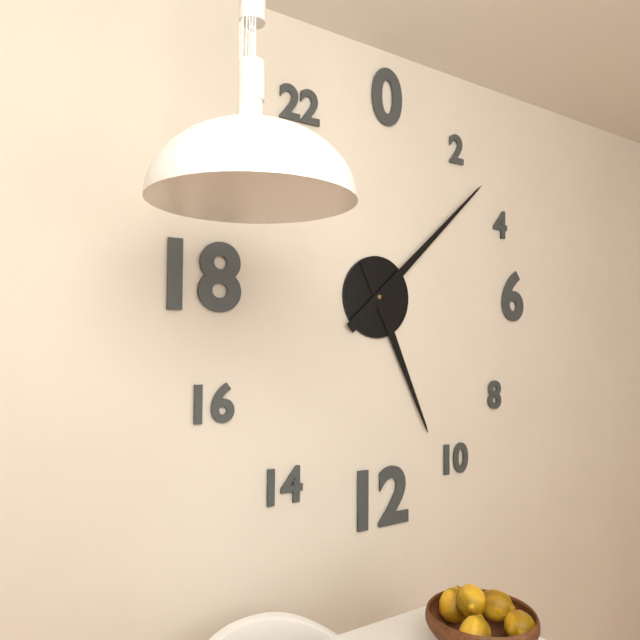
5:08
